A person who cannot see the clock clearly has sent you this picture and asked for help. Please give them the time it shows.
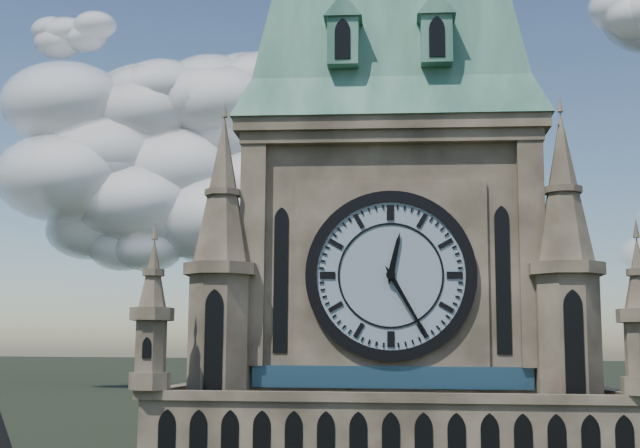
12:25
